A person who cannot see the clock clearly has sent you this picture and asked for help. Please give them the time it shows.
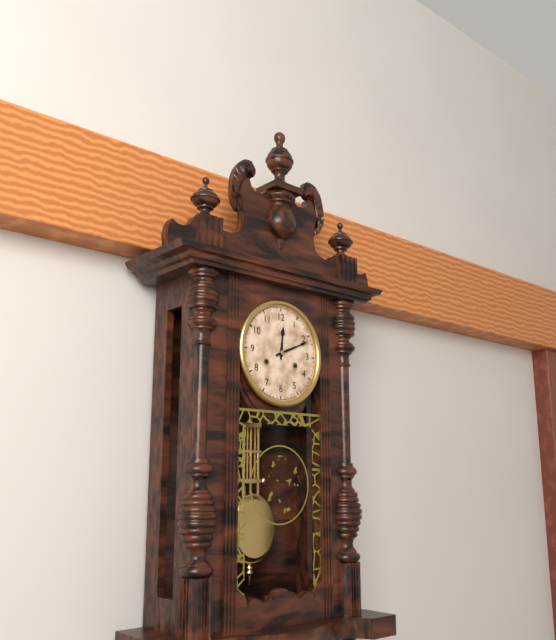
12:11
